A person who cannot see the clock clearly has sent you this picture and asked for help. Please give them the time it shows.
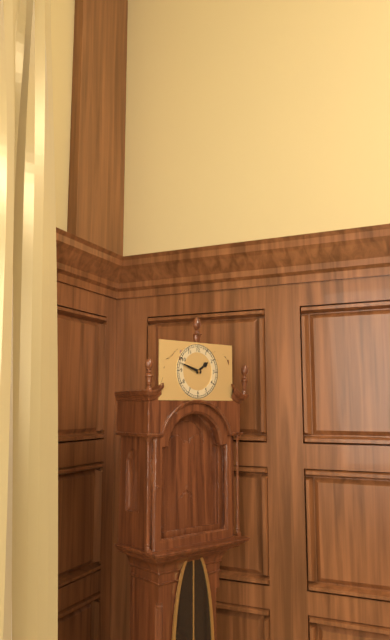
1:48
